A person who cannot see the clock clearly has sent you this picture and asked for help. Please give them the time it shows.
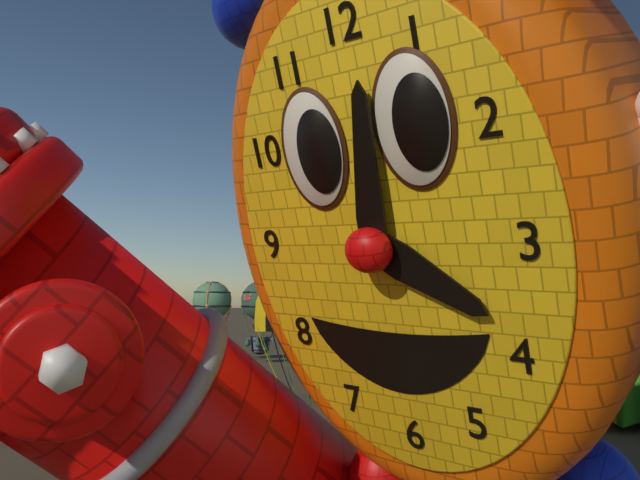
4:01
